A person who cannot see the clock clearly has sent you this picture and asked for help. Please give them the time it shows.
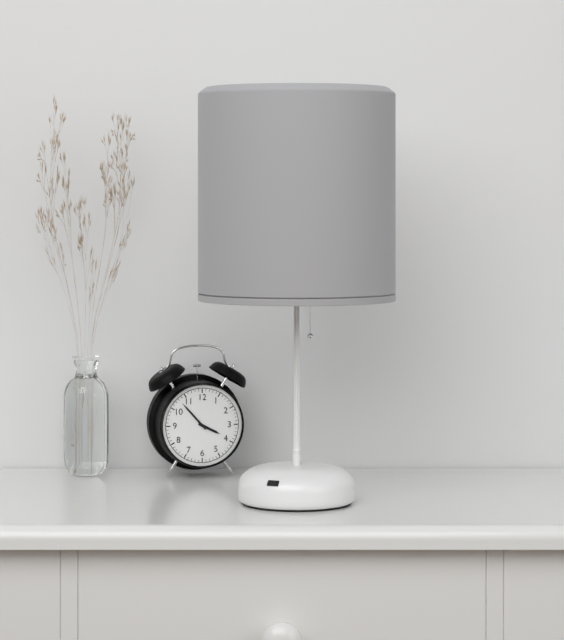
3:53
